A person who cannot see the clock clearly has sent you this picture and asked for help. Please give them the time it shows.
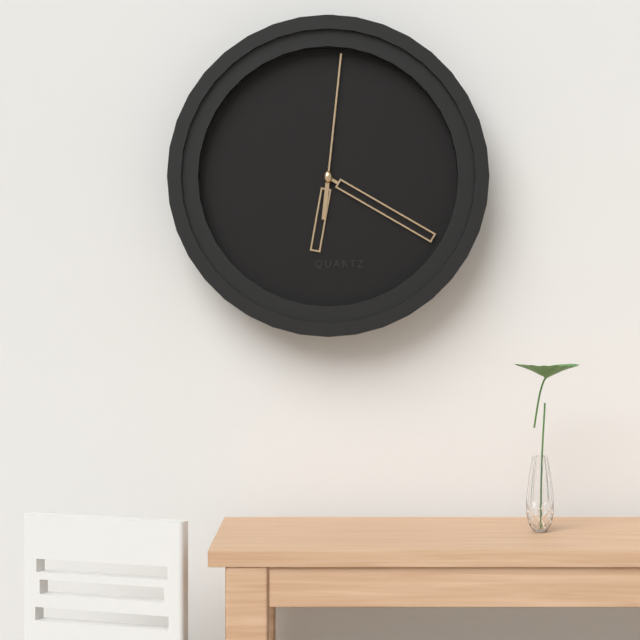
6:20:01
